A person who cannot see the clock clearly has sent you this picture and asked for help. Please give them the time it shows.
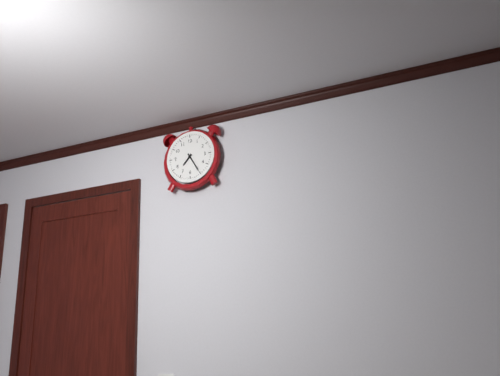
7:25
